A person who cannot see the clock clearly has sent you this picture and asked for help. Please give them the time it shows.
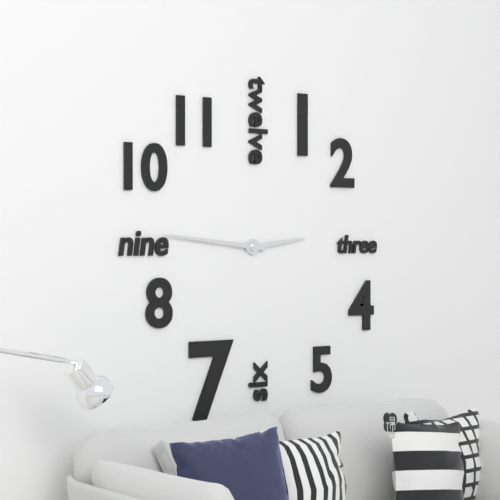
2:46
